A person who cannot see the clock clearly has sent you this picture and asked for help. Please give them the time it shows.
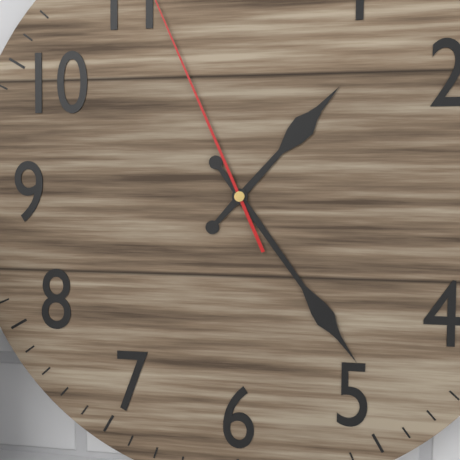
1:24
